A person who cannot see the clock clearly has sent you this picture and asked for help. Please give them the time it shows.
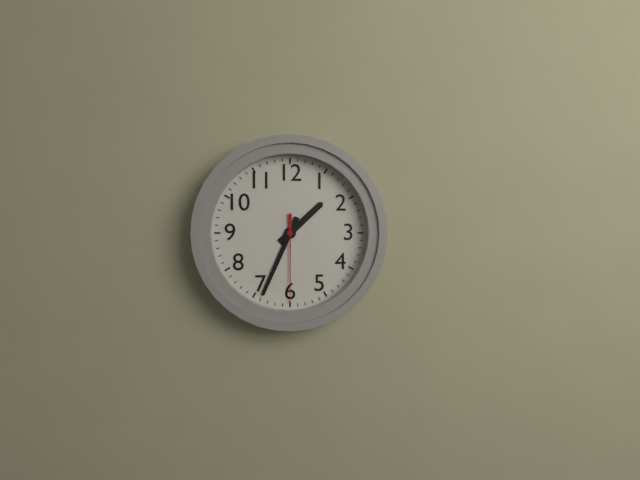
1:34:30
